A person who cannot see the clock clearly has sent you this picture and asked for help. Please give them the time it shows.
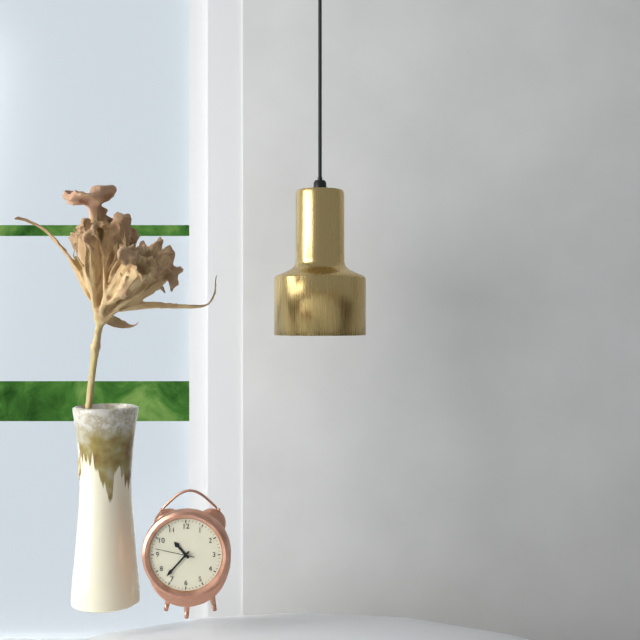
10:37
